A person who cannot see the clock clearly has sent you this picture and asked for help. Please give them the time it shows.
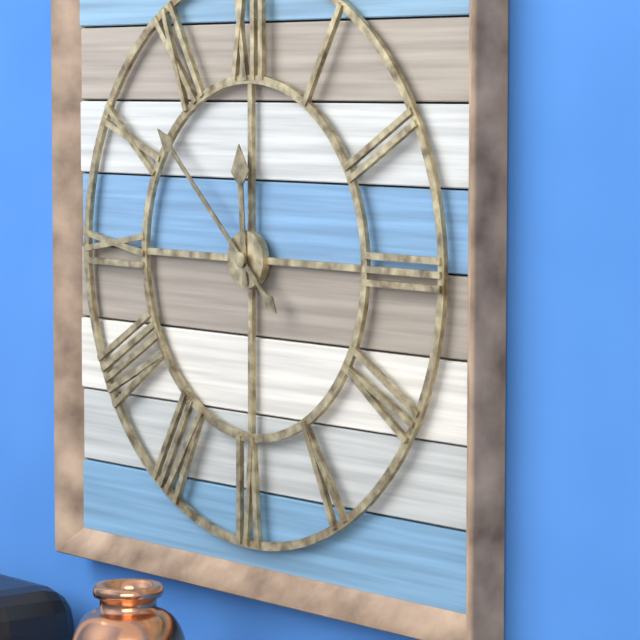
11:52
